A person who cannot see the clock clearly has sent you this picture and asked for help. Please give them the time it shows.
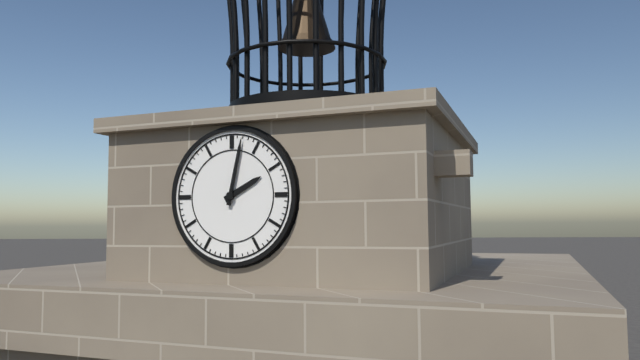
2:02
